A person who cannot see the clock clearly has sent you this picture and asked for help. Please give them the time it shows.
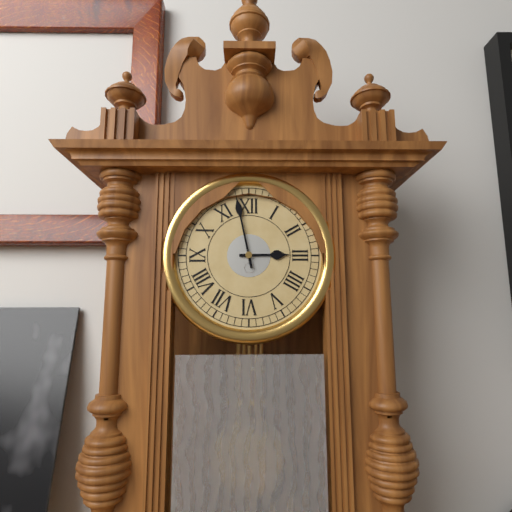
2:58
